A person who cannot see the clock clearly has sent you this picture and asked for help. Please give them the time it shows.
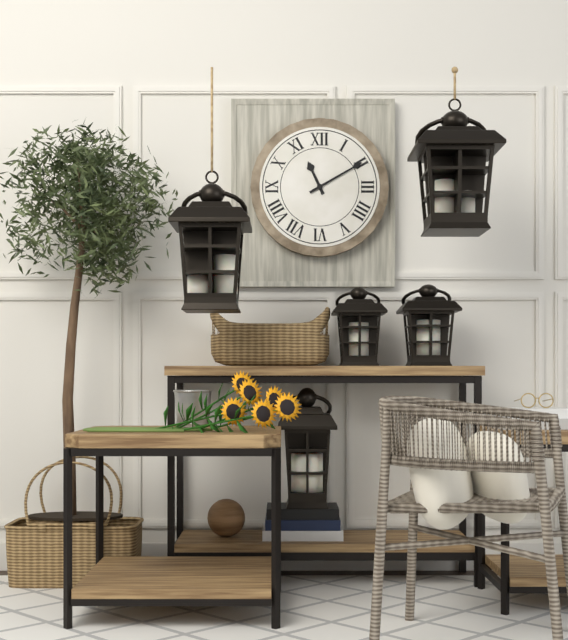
11:10
